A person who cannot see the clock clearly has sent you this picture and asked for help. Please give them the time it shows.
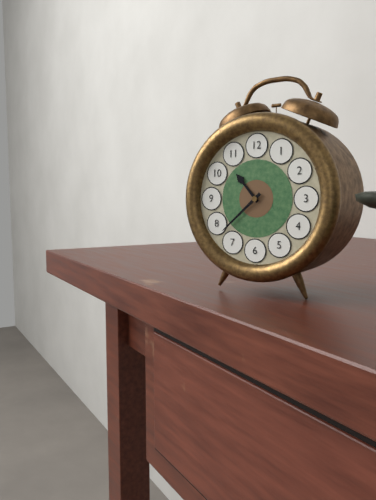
10:38
